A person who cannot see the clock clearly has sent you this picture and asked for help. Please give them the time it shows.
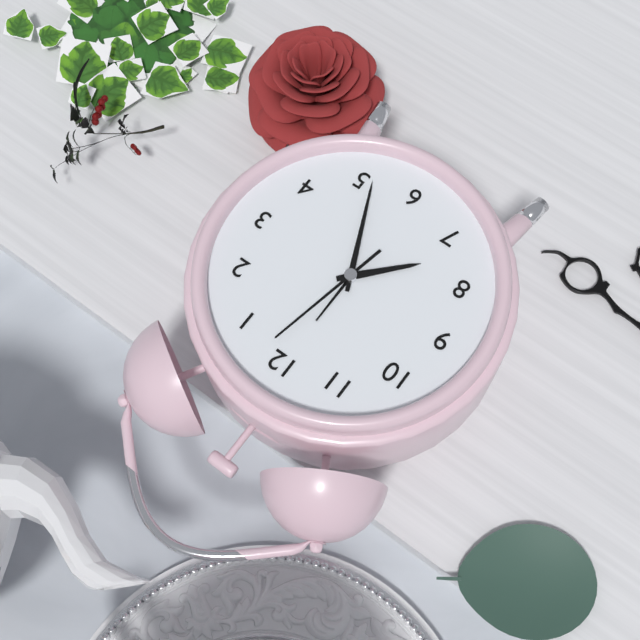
7:26:02
